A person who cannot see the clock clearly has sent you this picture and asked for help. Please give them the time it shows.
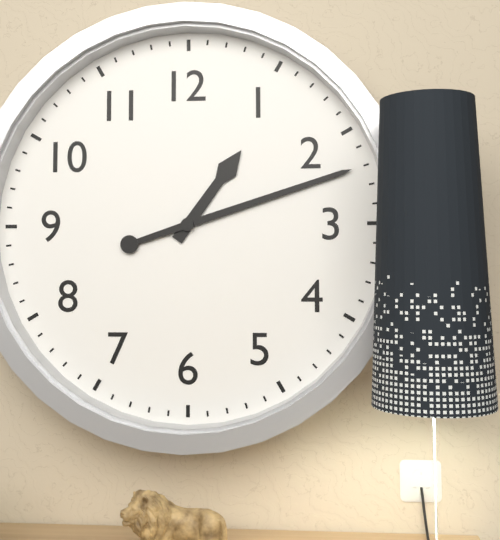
1:12
